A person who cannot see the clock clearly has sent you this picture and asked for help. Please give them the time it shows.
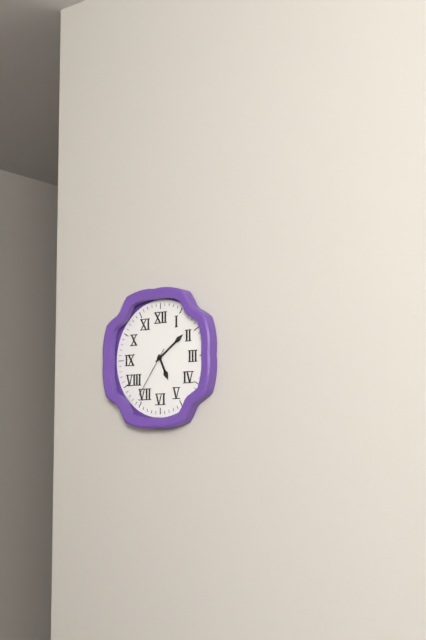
5:09:36
